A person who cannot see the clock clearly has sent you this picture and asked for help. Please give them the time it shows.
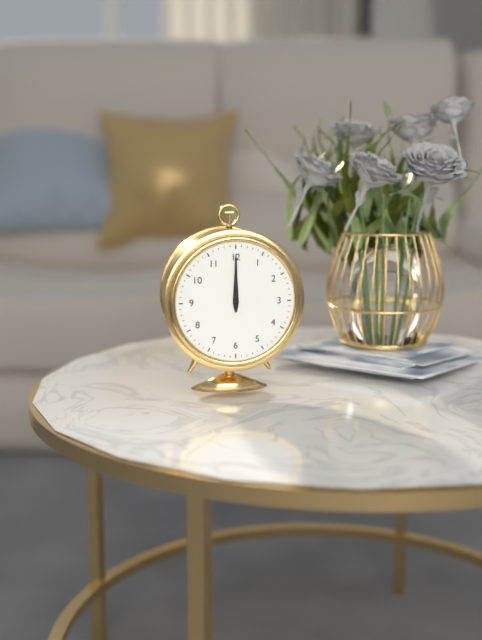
12:00
